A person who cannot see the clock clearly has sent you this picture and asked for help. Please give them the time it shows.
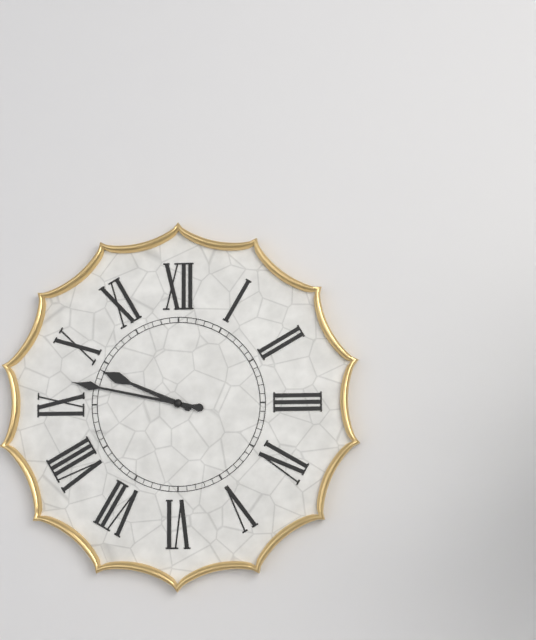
9:47
